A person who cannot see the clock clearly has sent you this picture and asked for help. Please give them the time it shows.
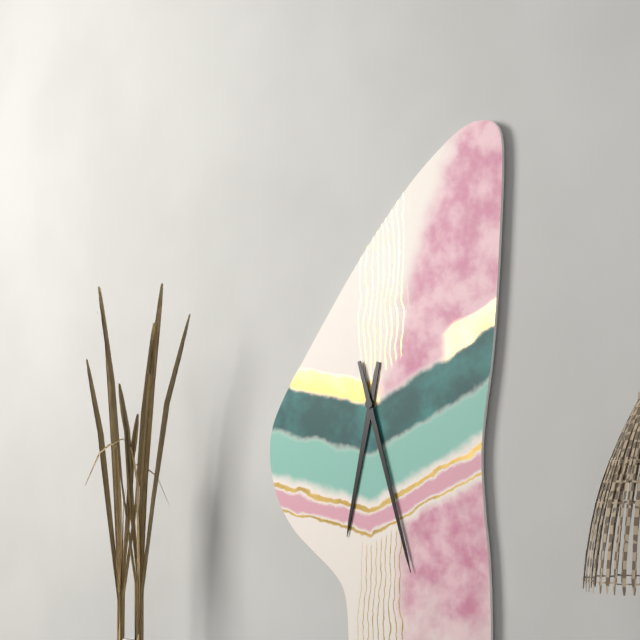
6:27
